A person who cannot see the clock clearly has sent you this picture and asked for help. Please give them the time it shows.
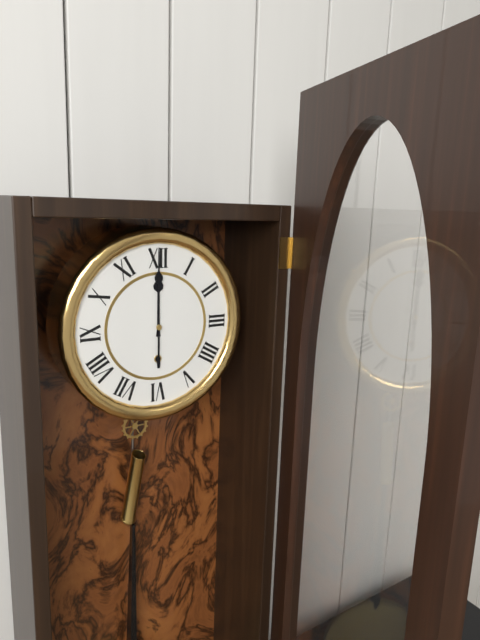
12:00
